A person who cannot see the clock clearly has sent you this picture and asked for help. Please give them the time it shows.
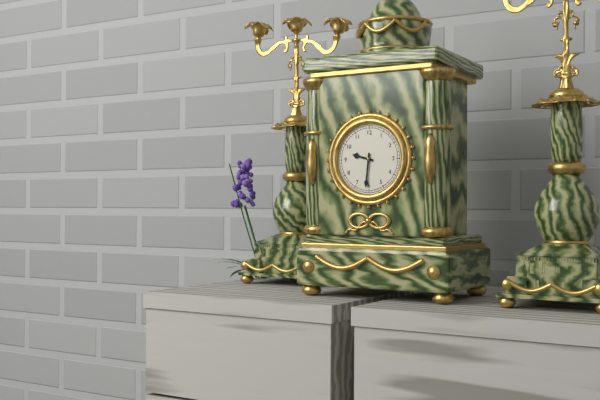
9:31
